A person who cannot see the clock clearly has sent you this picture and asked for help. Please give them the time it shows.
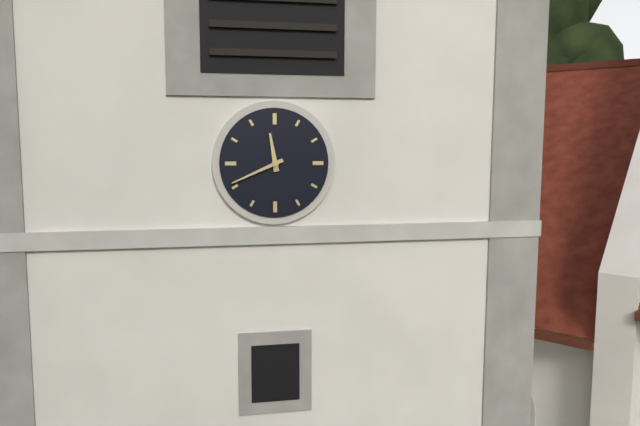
11:41
